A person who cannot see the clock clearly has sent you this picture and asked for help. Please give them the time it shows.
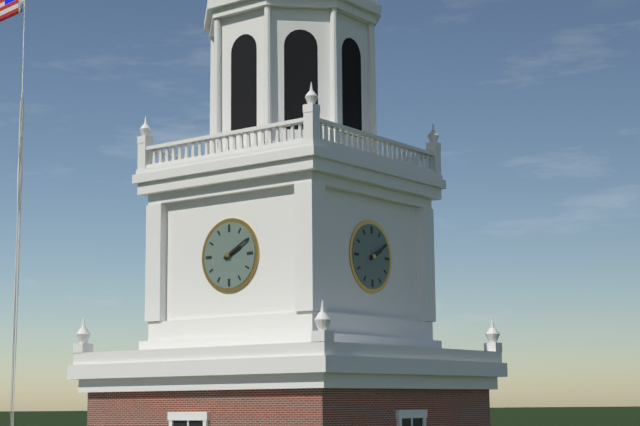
2:10
